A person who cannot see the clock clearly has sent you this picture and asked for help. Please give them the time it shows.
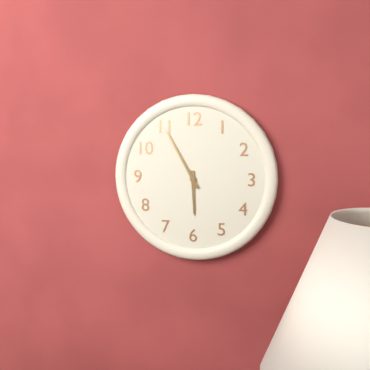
5:55
